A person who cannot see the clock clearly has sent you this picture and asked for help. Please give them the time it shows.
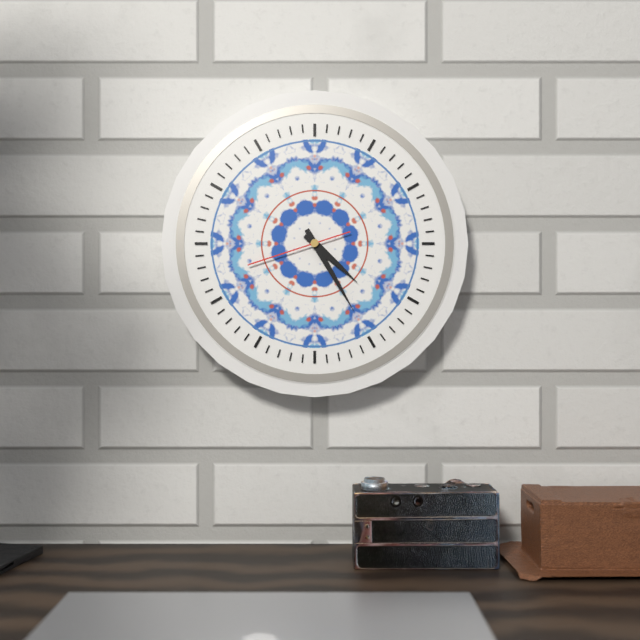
4:25:42
